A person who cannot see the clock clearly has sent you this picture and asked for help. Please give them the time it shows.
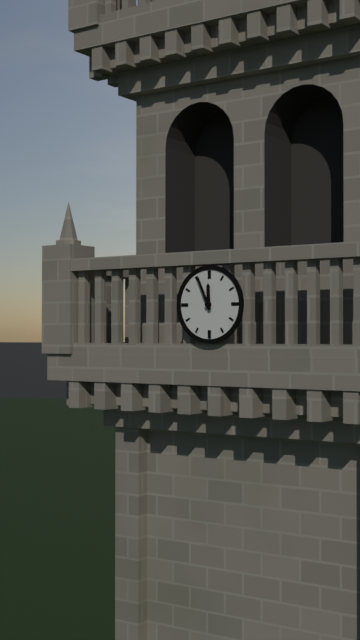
11:56
